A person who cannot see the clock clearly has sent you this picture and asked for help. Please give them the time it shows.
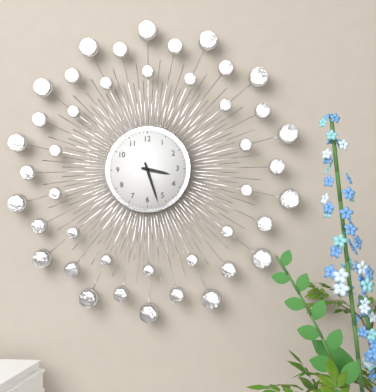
3:27
